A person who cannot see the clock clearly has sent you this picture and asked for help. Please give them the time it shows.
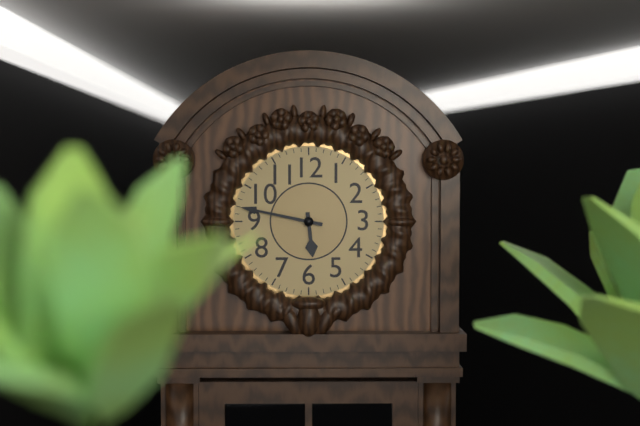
5:47
